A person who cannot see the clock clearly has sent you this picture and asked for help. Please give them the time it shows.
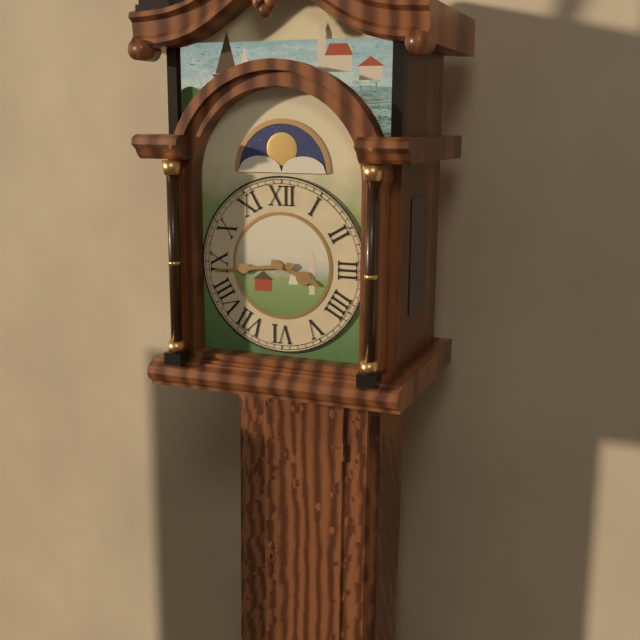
3:44
